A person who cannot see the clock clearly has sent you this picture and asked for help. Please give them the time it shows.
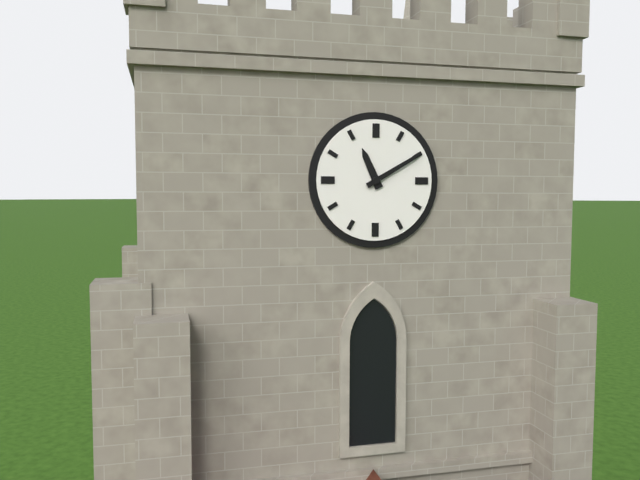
11:10
